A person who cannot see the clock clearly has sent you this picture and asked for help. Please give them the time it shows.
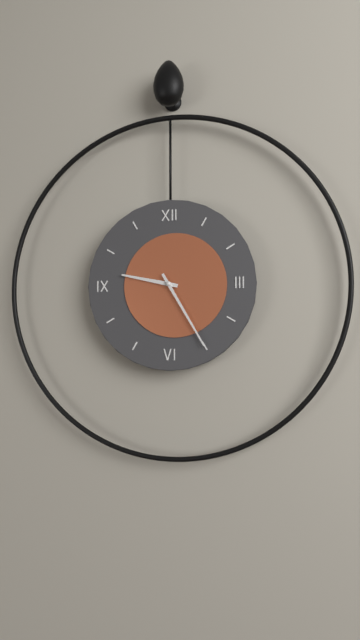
9:25
